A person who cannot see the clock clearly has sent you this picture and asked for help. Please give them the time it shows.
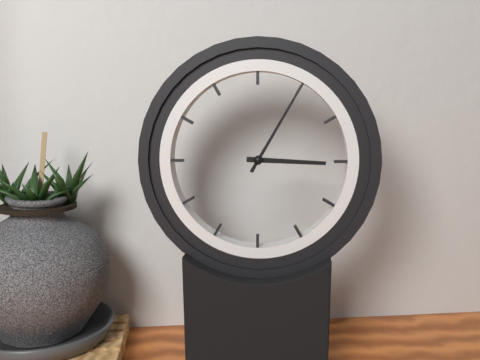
3:05
